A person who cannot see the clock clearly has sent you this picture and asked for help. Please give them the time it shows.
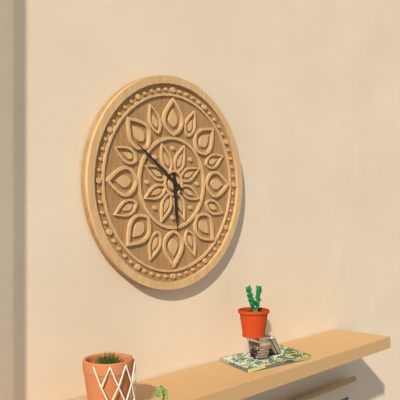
5:51
